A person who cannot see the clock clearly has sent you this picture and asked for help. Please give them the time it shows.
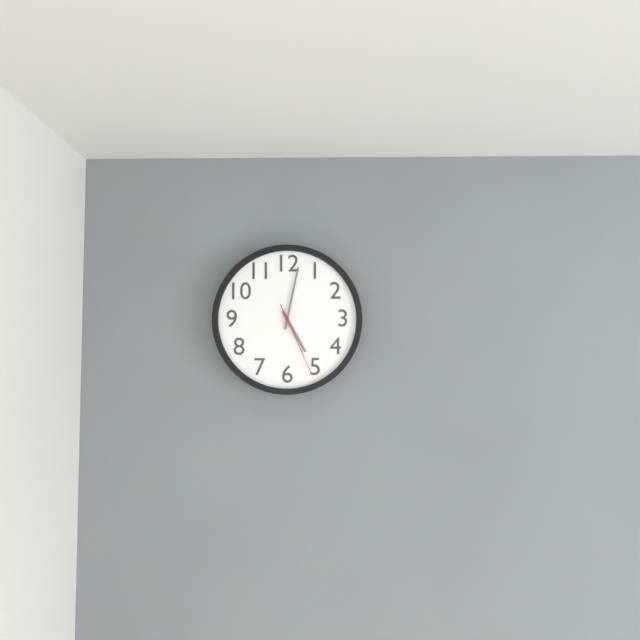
5:02:26
